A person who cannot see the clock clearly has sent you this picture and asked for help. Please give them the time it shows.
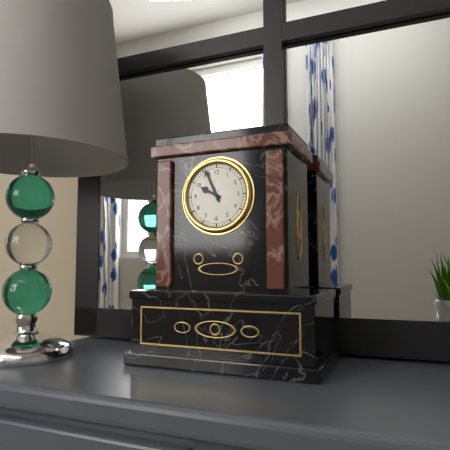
9:56
